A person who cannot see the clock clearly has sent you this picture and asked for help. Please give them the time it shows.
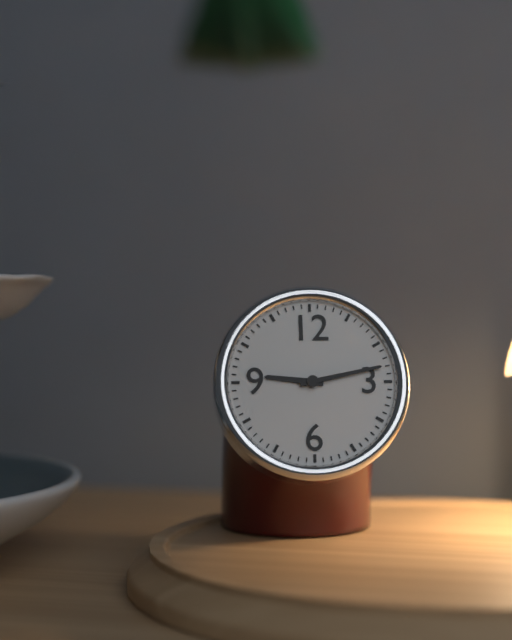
9:13
